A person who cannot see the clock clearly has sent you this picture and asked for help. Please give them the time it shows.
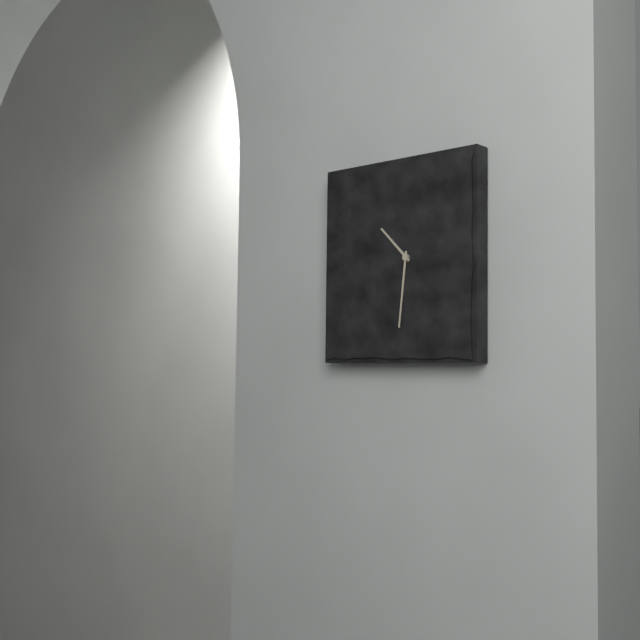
10:31
